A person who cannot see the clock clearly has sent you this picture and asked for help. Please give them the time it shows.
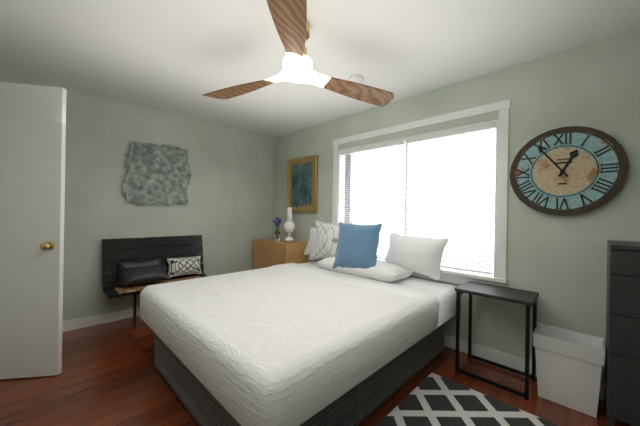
12:54
